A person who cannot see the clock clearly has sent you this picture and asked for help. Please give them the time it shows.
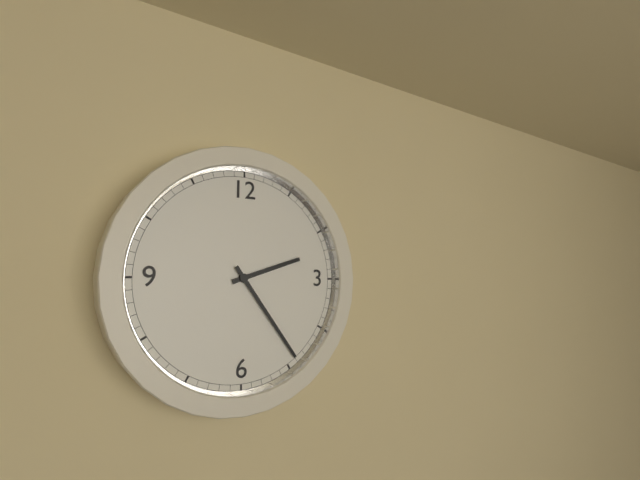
2:24
